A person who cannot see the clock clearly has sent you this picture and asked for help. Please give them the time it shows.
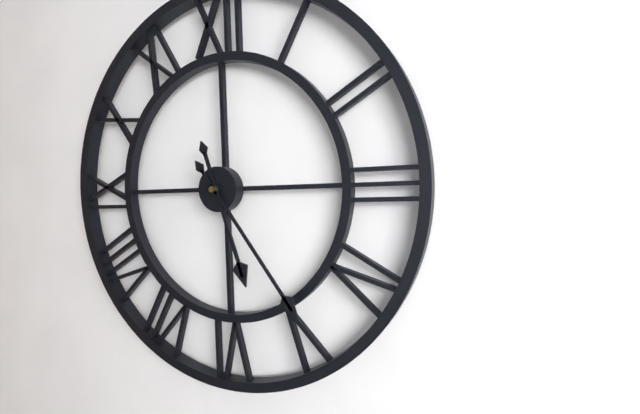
5:24
